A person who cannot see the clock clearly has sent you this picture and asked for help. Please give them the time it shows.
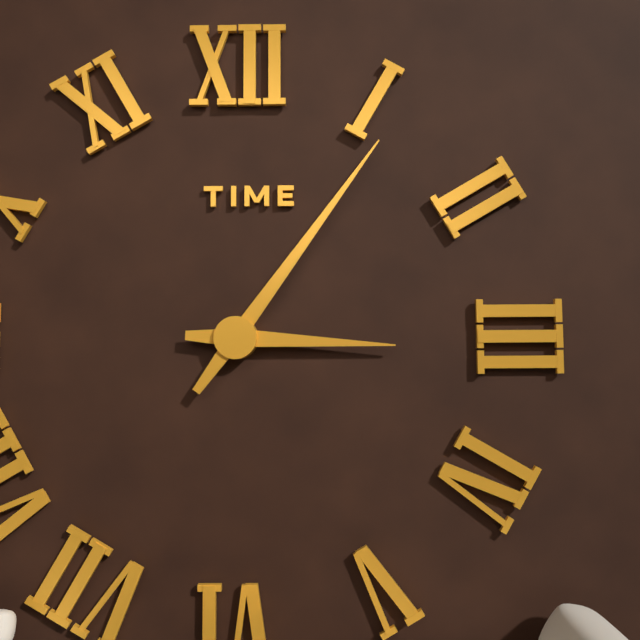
3:06
